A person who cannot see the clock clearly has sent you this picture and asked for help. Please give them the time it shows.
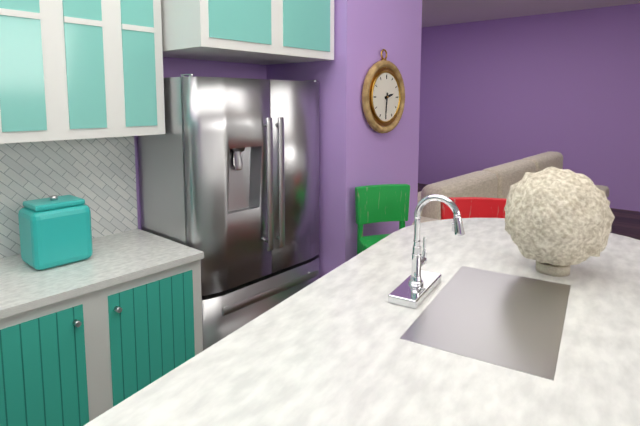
2:31
